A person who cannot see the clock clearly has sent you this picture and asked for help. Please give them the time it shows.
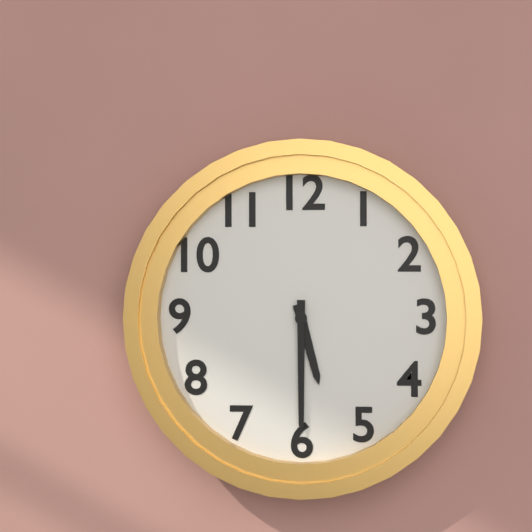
5:30
